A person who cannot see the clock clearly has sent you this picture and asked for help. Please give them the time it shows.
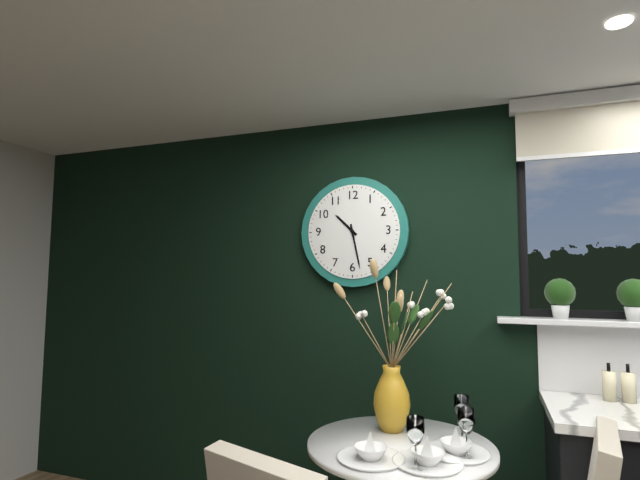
10:28
